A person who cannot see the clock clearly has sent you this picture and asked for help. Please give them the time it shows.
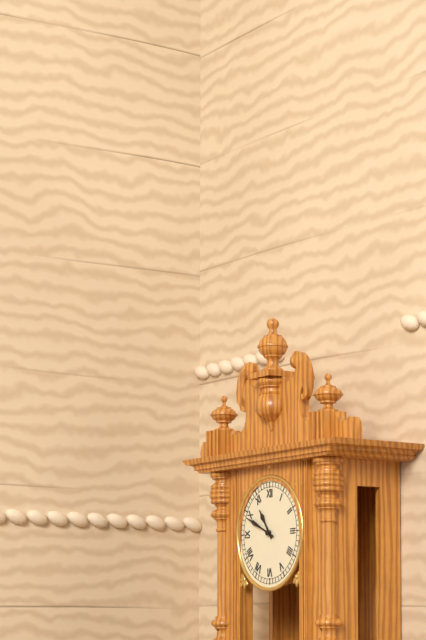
10:49
